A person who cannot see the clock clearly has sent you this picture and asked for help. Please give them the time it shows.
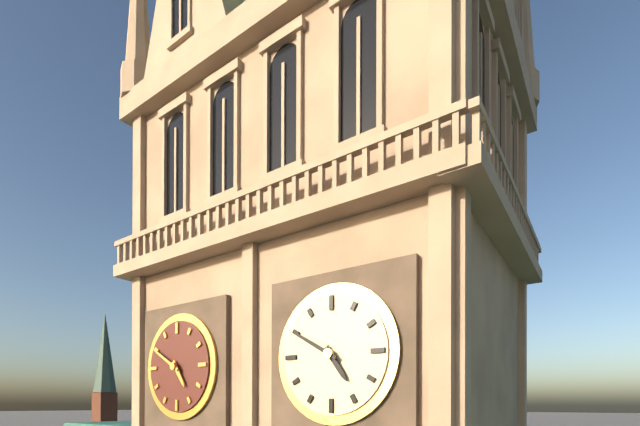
4:50
